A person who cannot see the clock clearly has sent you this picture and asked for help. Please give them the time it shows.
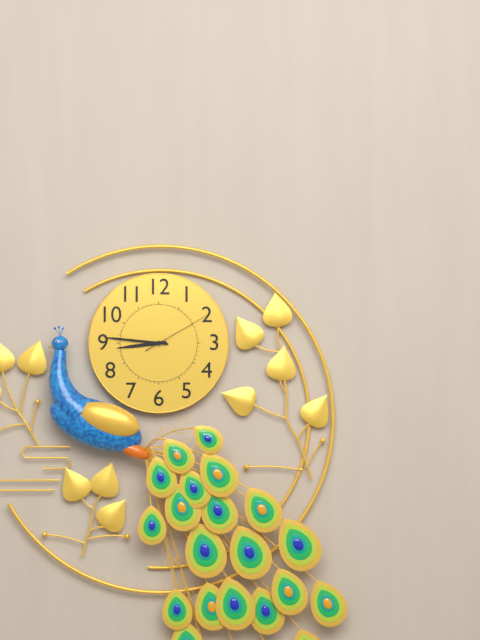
8:46:10
